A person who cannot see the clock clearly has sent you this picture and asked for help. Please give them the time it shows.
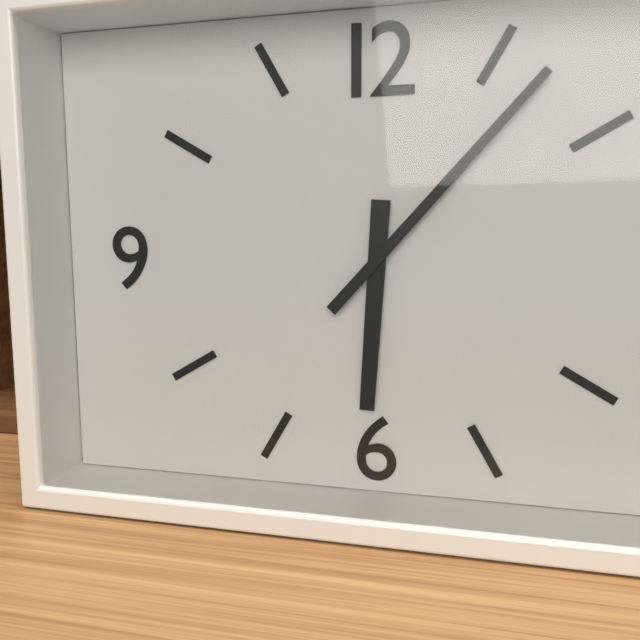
6:07
